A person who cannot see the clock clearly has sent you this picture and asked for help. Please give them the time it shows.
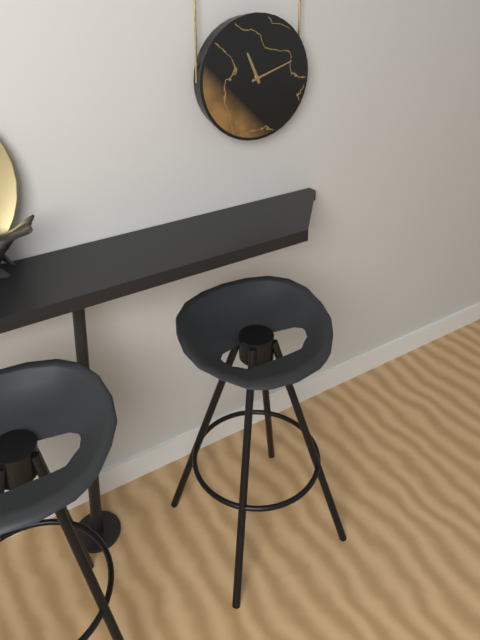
11:12
